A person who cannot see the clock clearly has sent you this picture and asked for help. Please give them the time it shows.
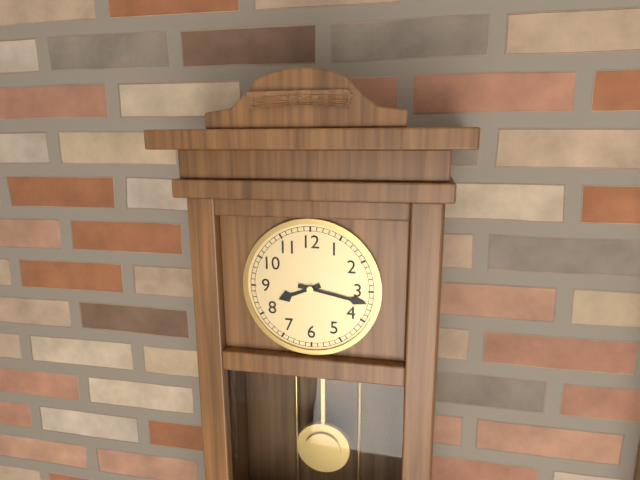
8:17
